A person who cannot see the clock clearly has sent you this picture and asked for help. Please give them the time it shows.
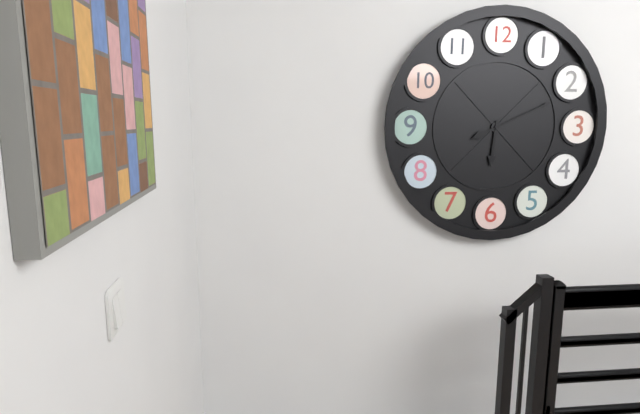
6:11
